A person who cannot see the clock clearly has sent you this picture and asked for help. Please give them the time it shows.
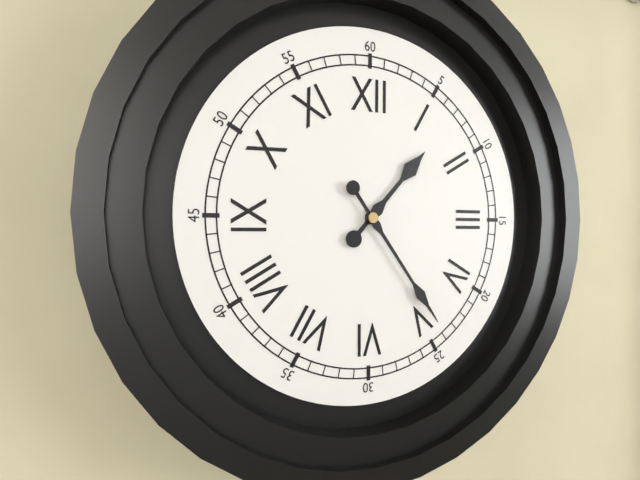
1:24
